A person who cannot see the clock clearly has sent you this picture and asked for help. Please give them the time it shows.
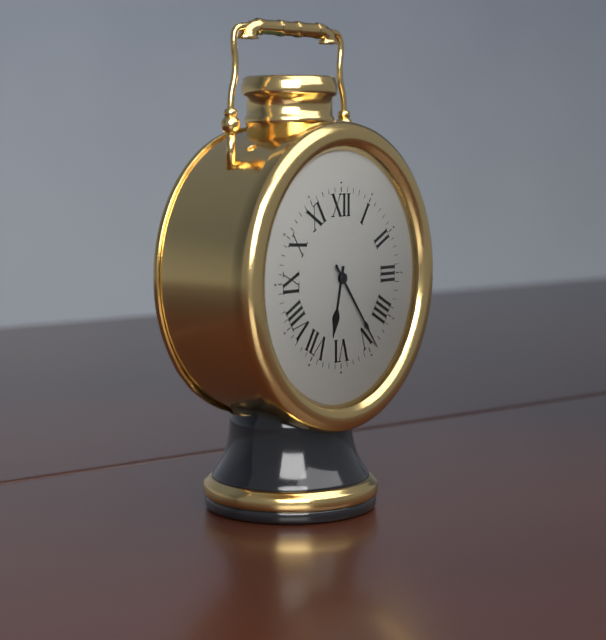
6:24
